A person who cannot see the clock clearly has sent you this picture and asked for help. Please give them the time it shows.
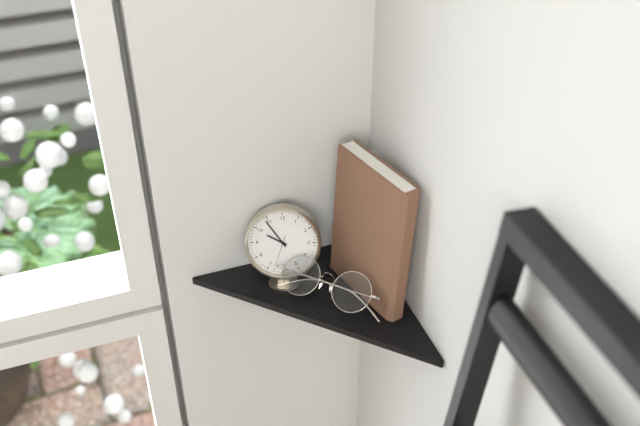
9:54
